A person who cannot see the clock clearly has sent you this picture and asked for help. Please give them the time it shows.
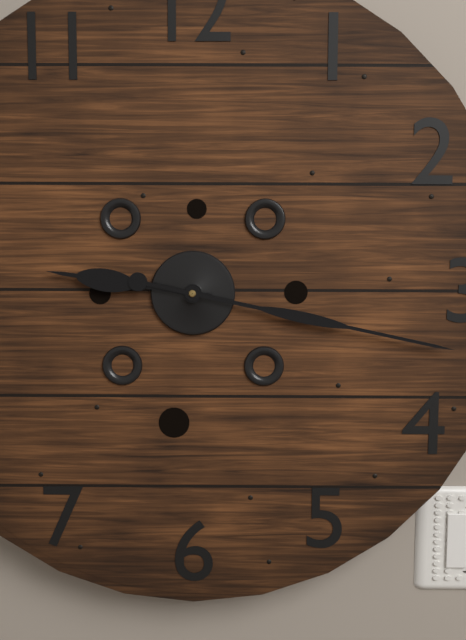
9:17
